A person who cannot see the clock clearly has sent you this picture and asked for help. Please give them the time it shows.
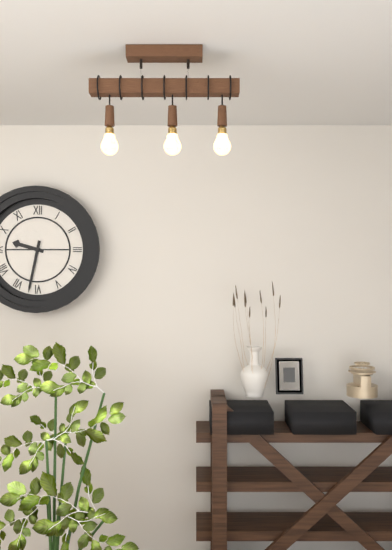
9:32
